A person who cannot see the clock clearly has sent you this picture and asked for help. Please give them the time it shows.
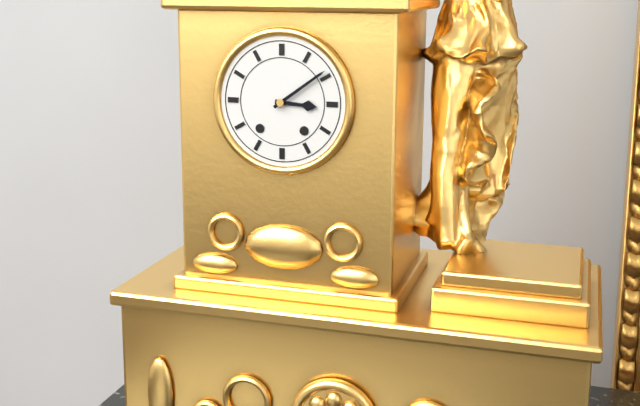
3:09
